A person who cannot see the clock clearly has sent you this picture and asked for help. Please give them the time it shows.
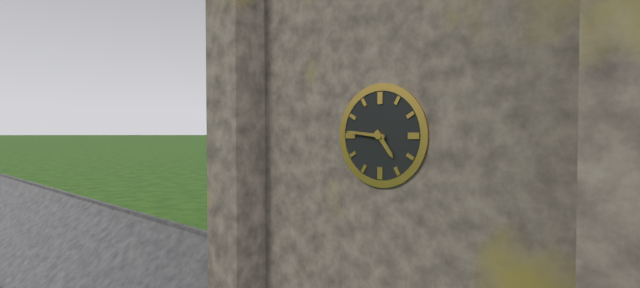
4:46
